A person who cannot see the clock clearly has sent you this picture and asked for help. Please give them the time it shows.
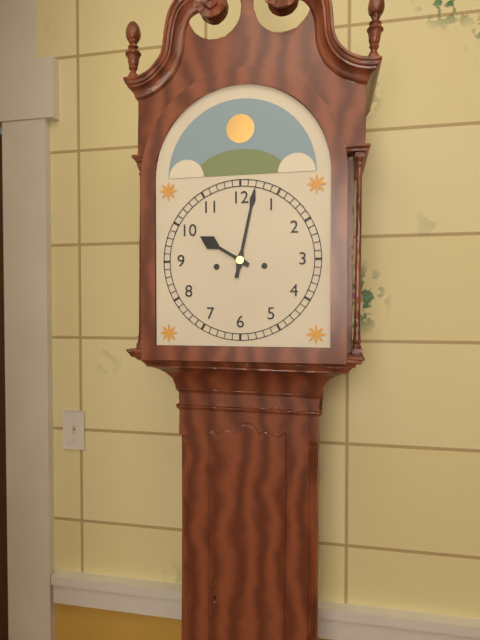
10:02
